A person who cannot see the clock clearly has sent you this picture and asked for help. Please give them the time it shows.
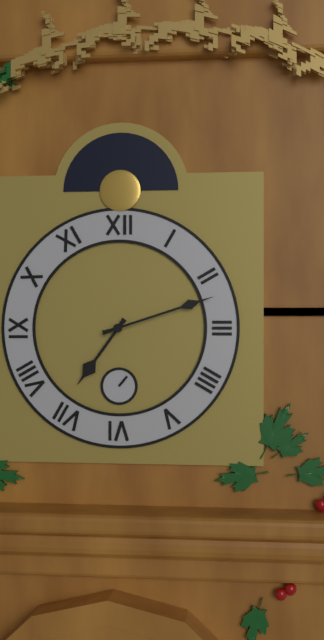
7:12
